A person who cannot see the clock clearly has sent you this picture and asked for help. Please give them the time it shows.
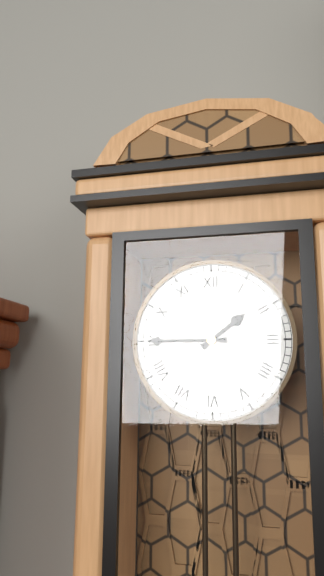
1:45
